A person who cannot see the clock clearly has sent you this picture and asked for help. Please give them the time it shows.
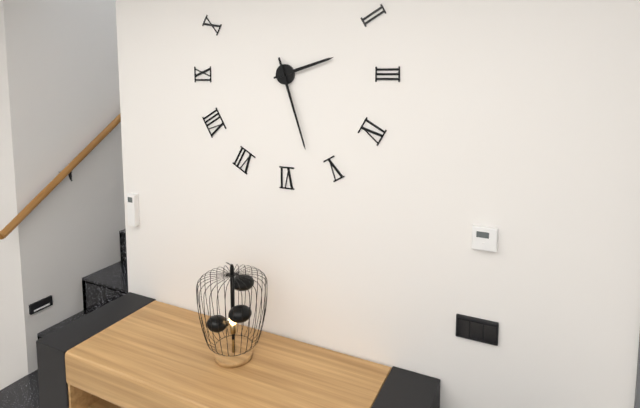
2:27
